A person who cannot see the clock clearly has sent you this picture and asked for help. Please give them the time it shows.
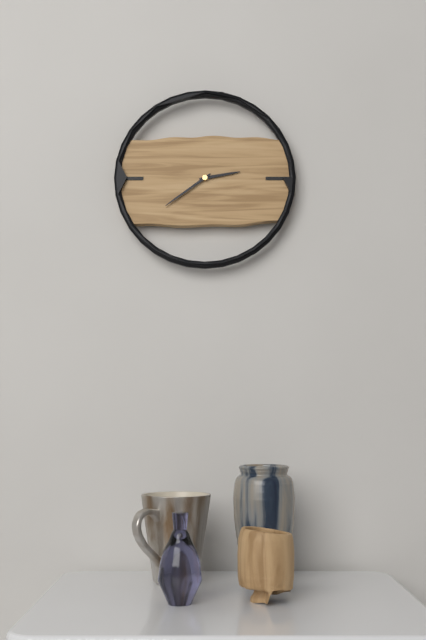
2:39
